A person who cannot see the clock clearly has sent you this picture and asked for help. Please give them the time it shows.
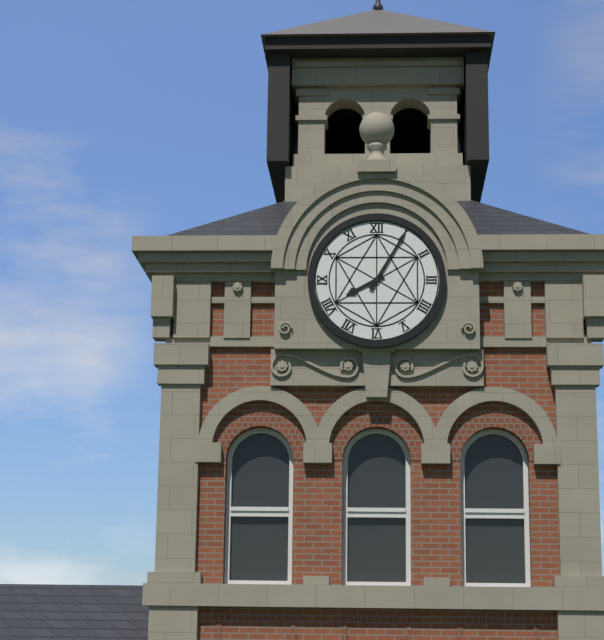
8:05
